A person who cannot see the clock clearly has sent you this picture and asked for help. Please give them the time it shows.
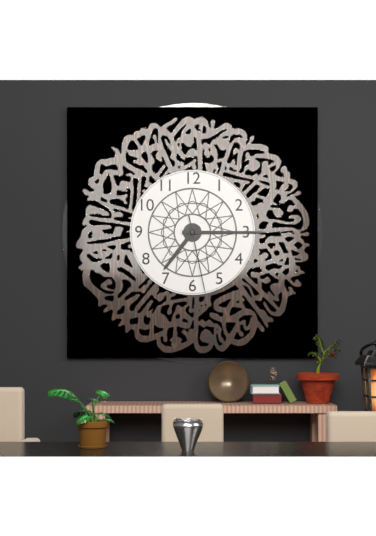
7:15:28
